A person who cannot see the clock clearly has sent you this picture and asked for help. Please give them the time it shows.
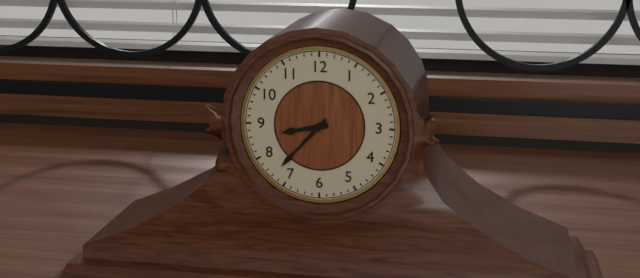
8:37
